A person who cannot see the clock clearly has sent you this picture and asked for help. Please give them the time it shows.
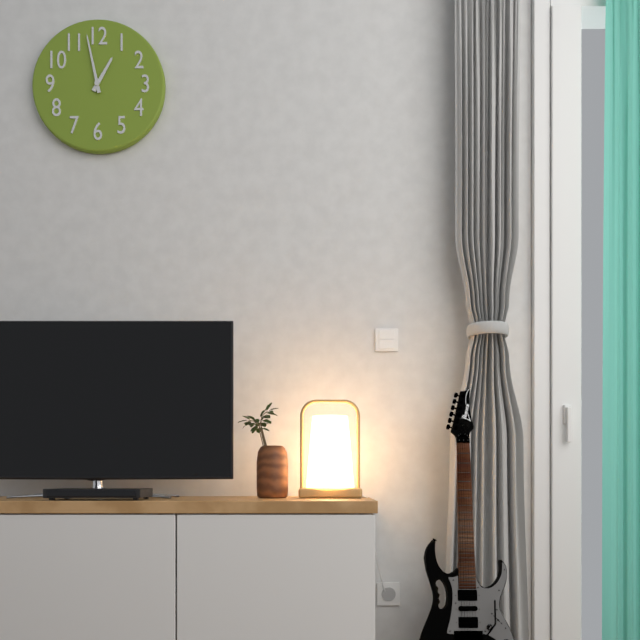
12:58
